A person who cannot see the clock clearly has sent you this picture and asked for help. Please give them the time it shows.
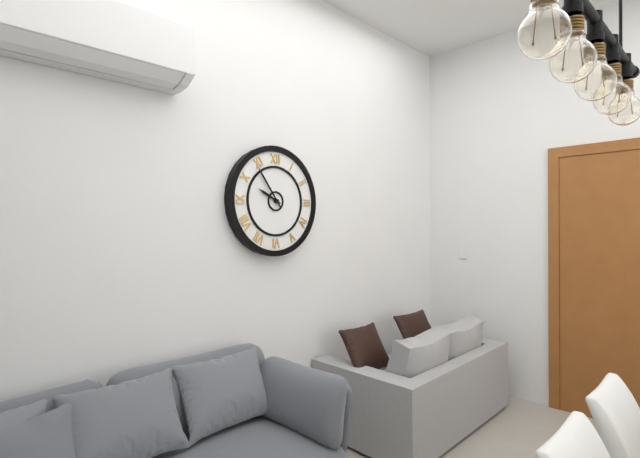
9:54
